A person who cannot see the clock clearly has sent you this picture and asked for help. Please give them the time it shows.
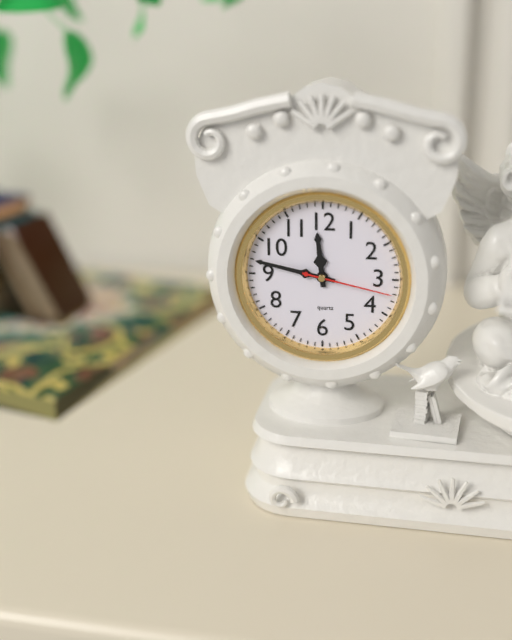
11:47:17
